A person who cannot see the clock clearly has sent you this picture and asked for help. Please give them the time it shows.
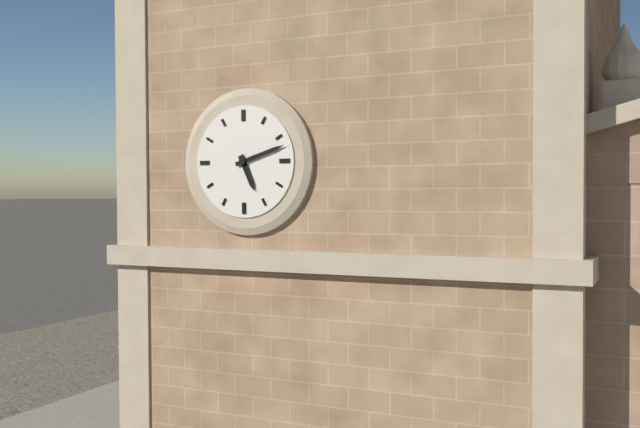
5:12
